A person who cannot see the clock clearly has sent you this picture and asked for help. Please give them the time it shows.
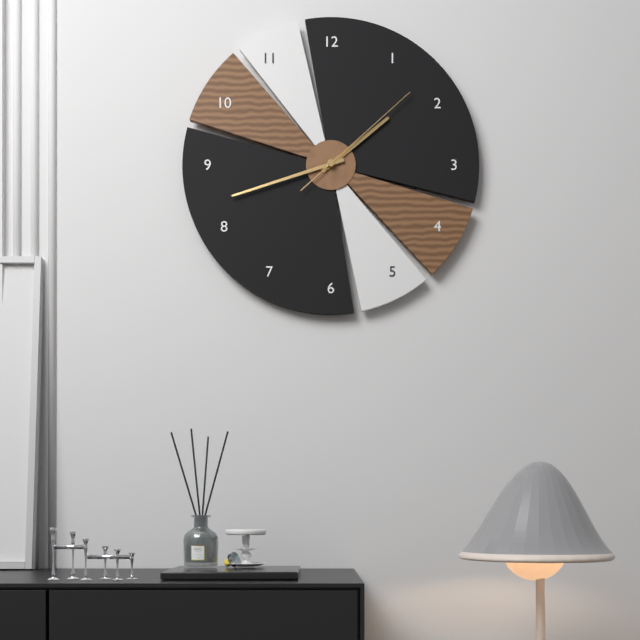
1:42:08
